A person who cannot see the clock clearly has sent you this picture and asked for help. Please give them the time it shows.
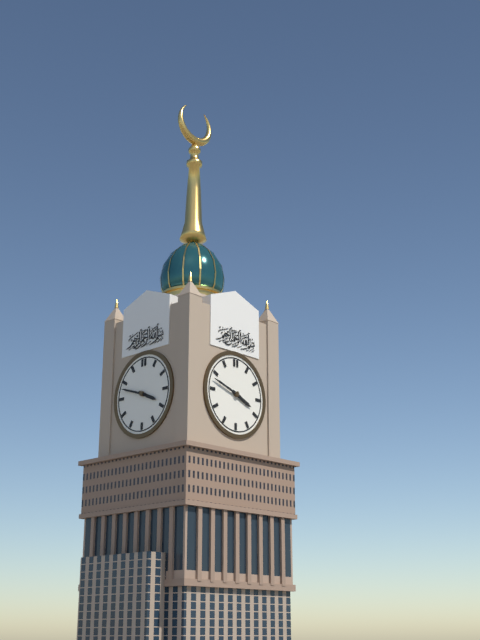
3:48
